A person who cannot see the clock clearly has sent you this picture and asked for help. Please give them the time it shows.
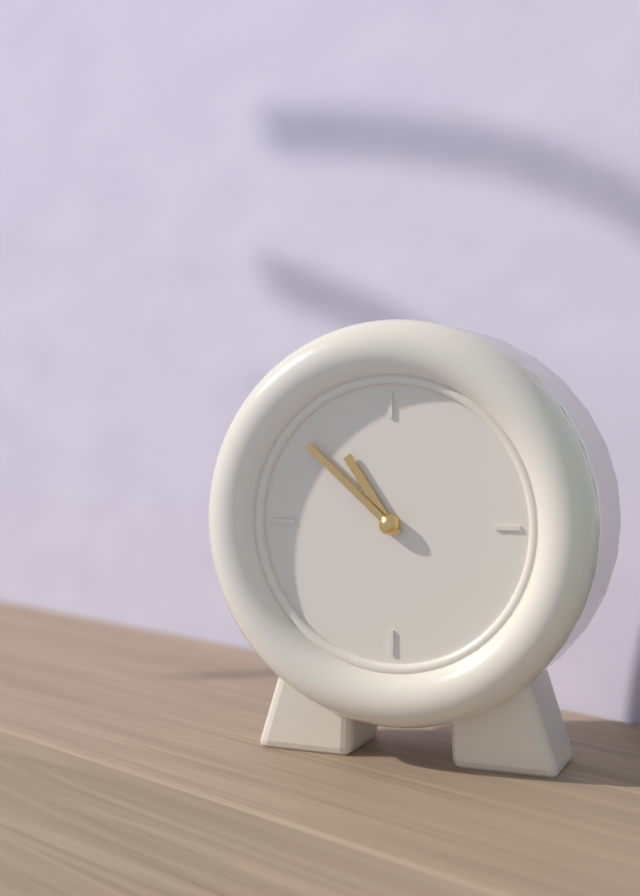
10:52
